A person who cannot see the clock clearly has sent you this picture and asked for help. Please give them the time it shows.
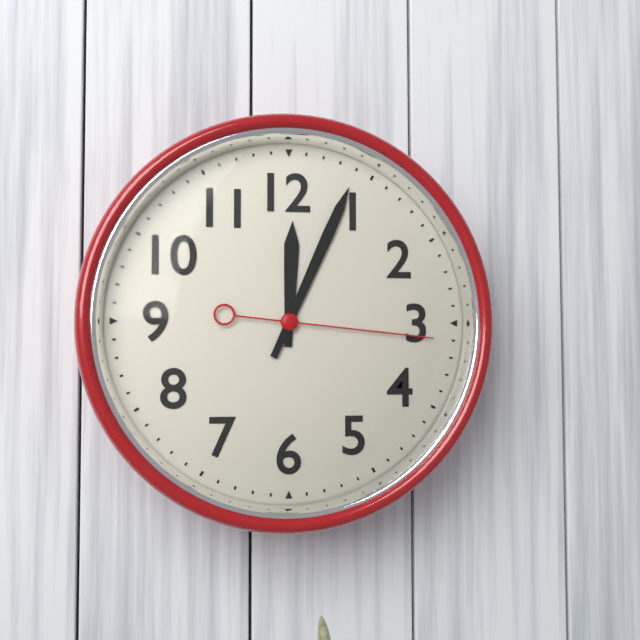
12:04:16
